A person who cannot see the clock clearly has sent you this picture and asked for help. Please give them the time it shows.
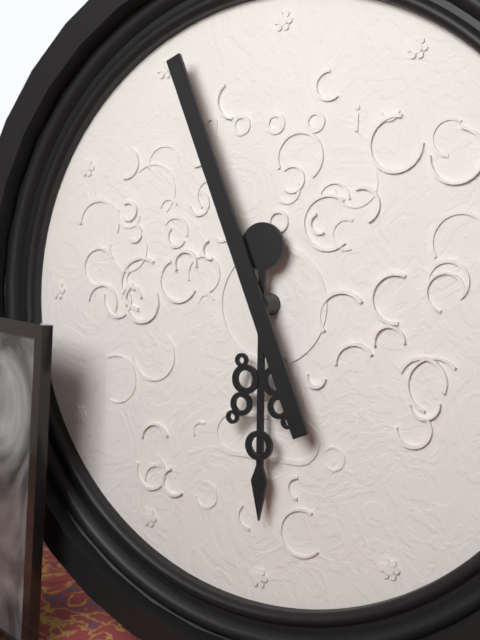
5:56
